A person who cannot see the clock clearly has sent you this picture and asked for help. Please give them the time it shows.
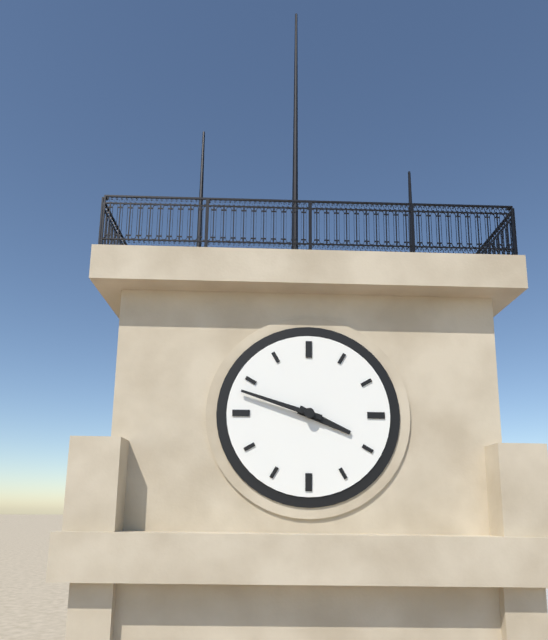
3:48
